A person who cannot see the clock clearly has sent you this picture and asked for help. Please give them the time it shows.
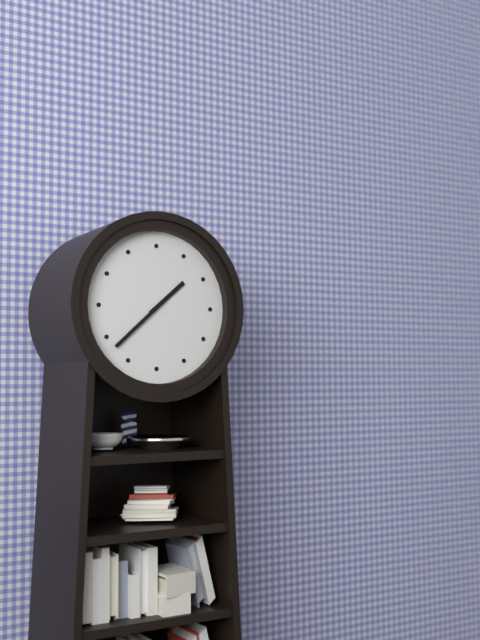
1:38
